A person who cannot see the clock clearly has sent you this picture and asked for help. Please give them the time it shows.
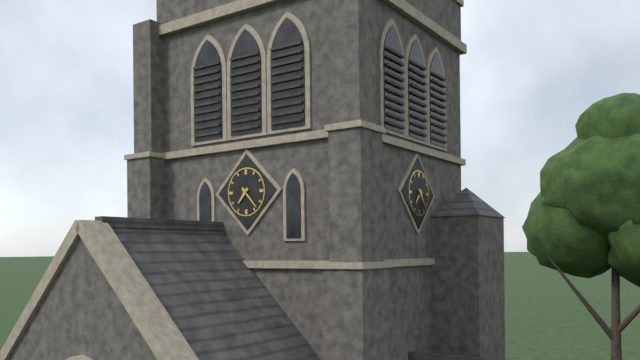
7:23
